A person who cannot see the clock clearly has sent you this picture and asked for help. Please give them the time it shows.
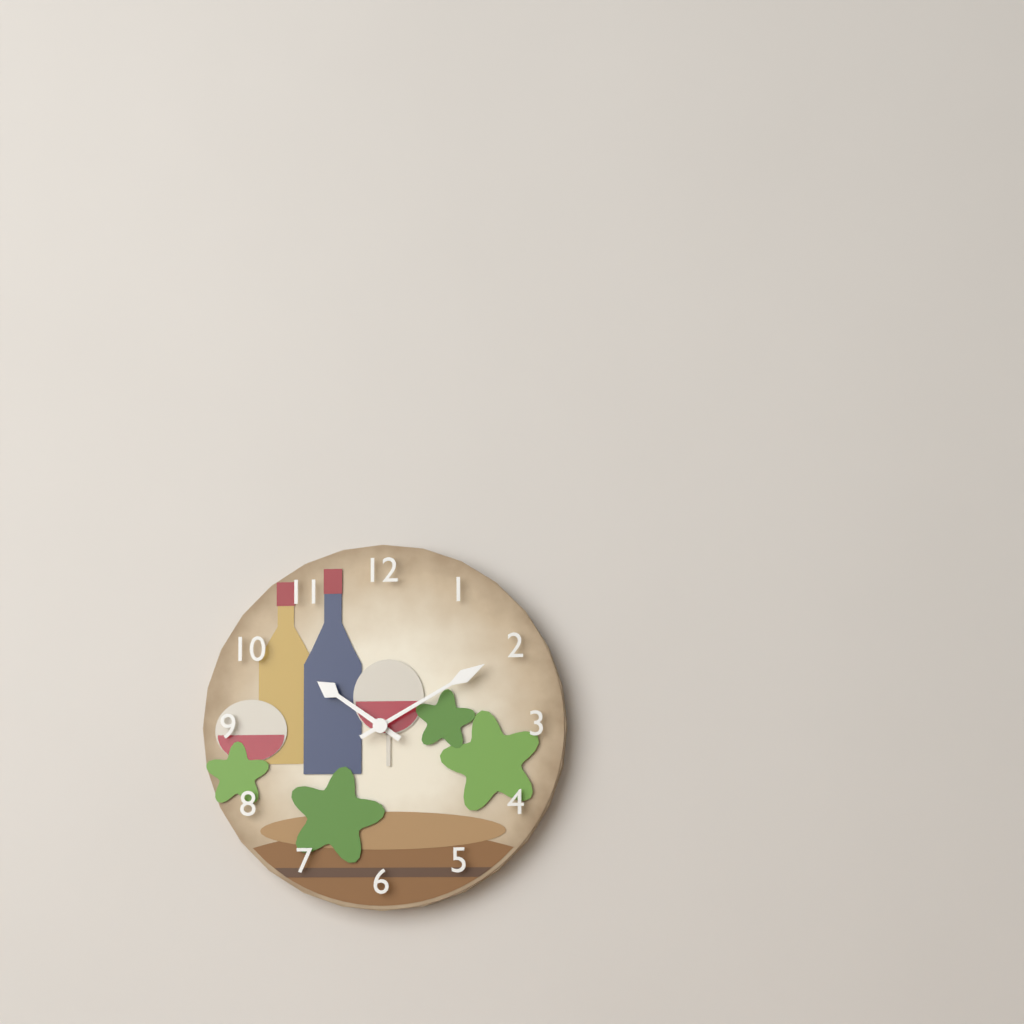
10:10
